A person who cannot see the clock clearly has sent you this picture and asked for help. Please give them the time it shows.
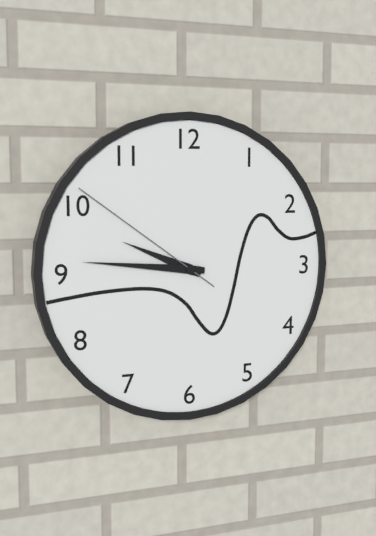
9:46:51
